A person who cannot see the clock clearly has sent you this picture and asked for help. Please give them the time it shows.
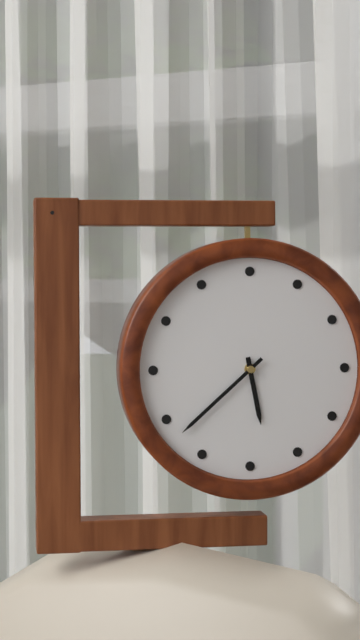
5:38
